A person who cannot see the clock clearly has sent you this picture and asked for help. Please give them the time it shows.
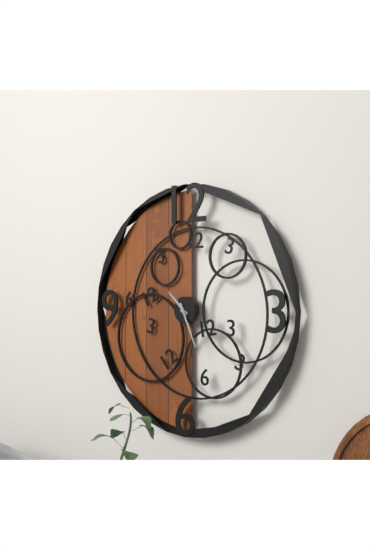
10:26
